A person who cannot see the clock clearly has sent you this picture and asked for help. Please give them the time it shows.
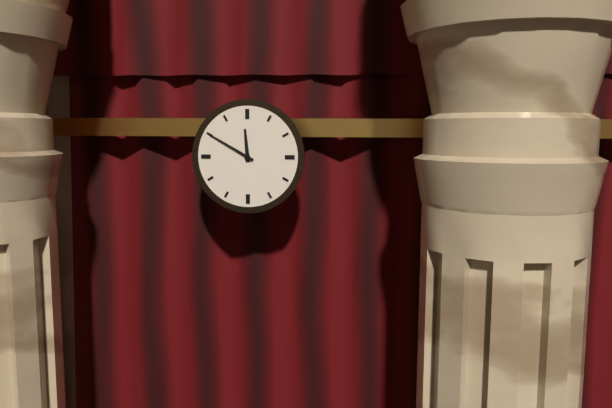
11:50
